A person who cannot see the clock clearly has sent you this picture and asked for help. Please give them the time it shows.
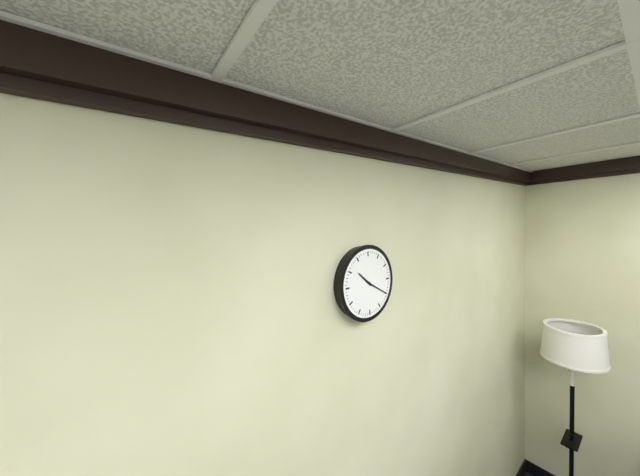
10:20
